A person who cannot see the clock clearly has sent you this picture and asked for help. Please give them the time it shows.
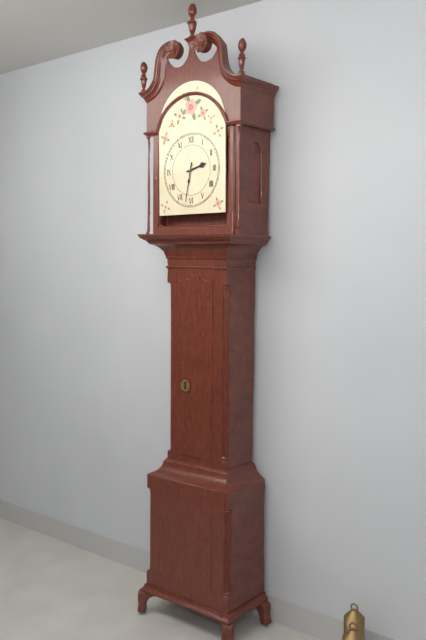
2:32
